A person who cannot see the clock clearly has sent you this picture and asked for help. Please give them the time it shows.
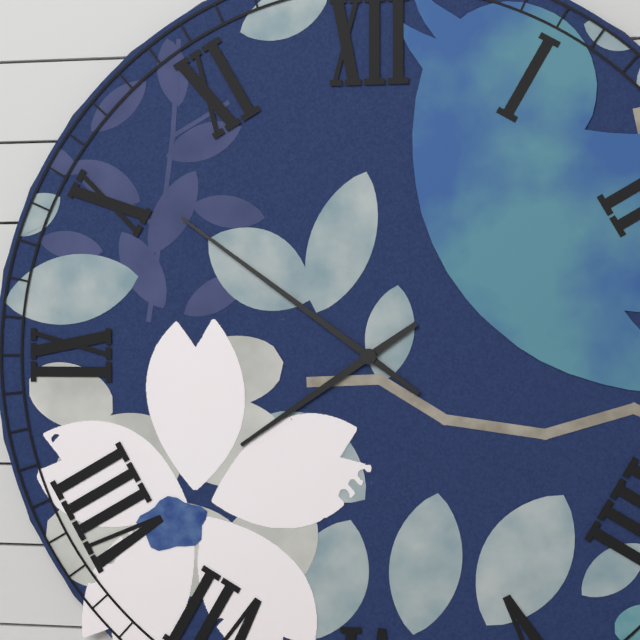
7:51
